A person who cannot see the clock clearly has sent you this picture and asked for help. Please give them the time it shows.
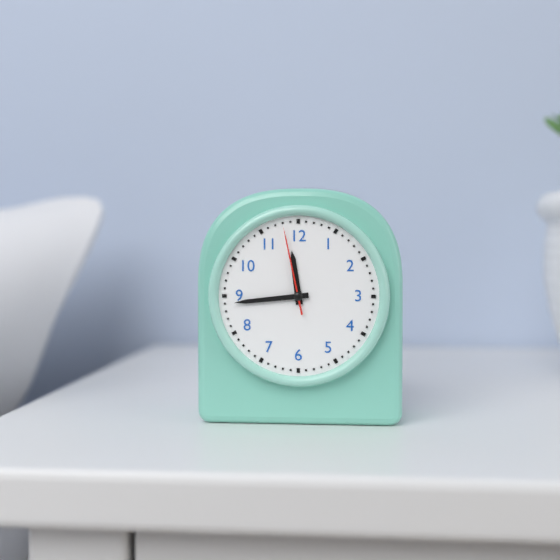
11:44:58
